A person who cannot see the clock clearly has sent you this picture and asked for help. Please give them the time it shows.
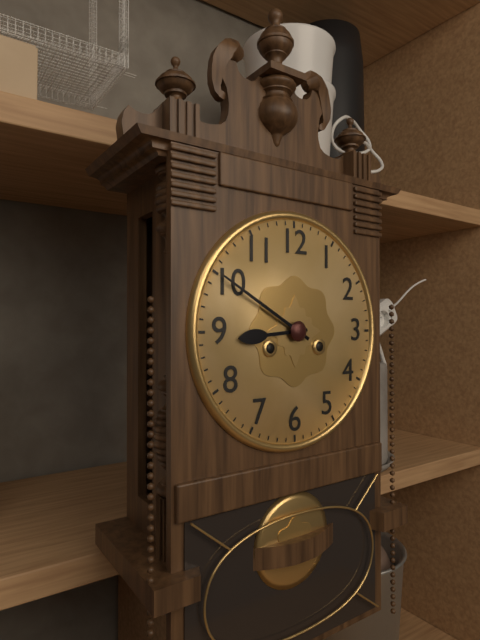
8:50
